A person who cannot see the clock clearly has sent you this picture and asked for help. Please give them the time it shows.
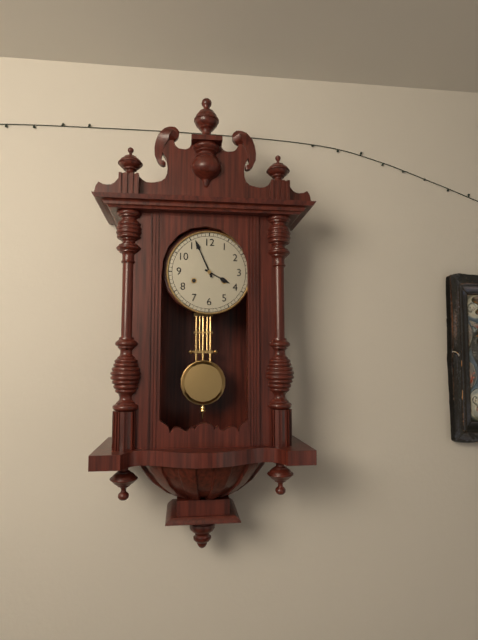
3:56
